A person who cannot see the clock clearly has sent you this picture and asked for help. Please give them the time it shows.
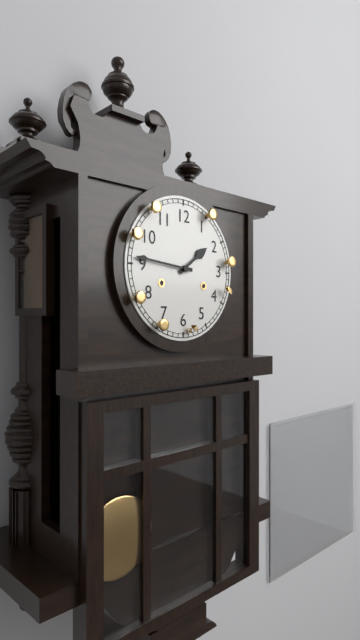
1:46
